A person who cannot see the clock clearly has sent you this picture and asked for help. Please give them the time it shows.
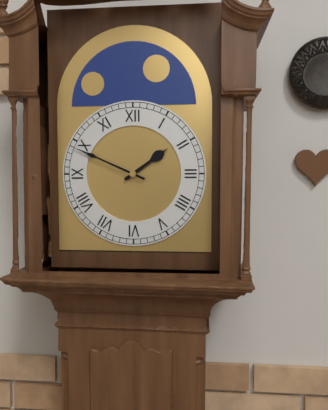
1:49
